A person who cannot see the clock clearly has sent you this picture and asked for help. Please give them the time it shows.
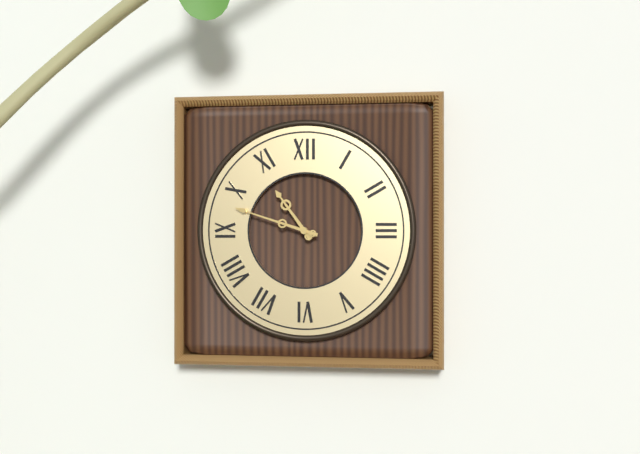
10:48
